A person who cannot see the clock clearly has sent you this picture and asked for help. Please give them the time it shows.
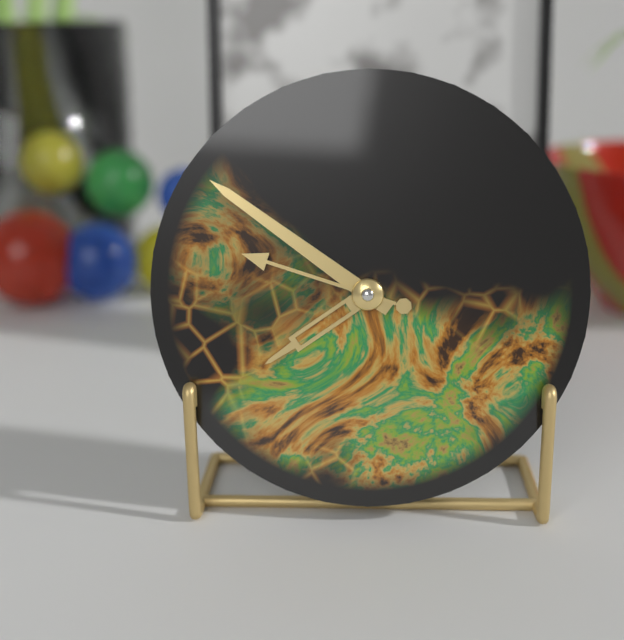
7:51:48
